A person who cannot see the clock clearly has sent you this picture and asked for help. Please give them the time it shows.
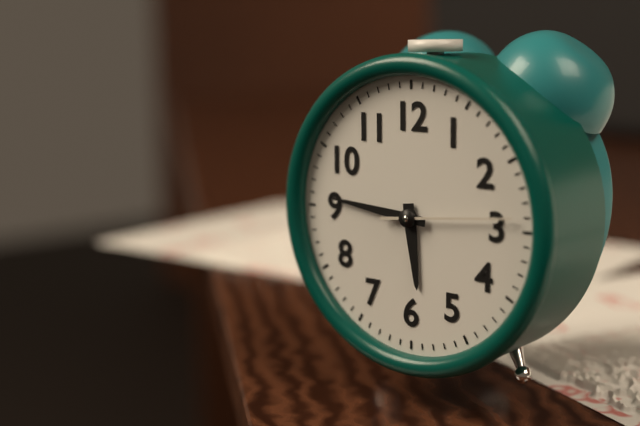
5:46:14
